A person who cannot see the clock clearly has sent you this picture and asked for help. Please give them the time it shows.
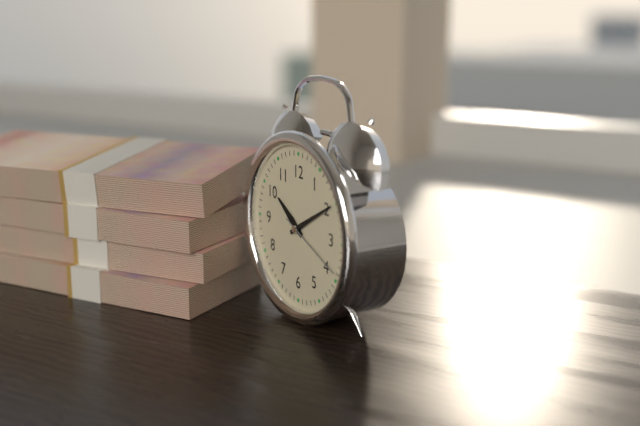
10:10:19
